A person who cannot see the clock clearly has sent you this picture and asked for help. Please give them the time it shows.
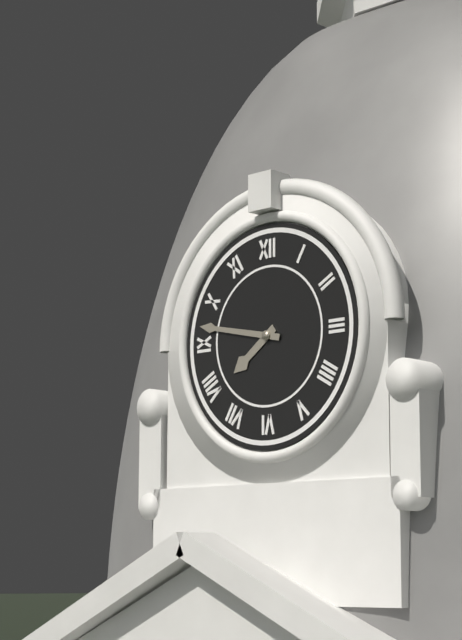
7:47
